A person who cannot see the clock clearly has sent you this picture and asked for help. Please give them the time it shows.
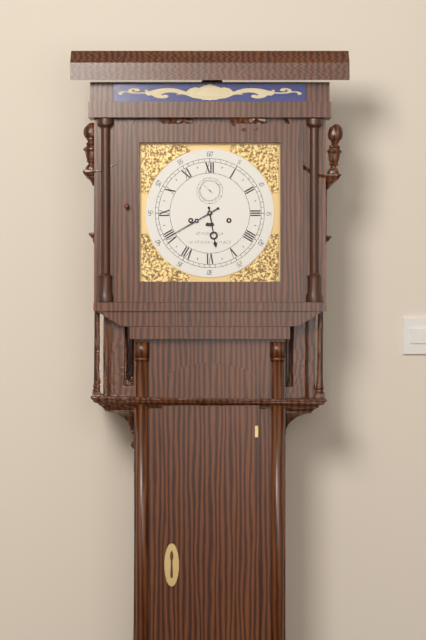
5:40
